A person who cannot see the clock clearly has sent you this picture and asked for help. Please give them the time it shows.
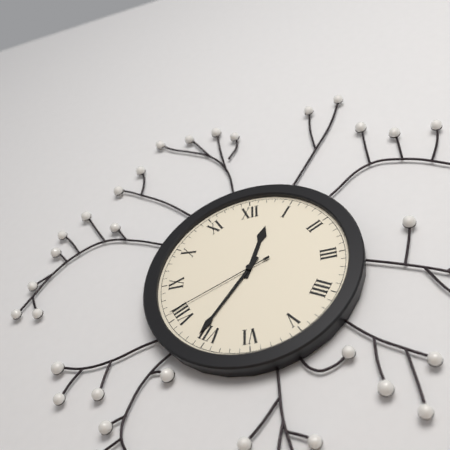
12:36:41
